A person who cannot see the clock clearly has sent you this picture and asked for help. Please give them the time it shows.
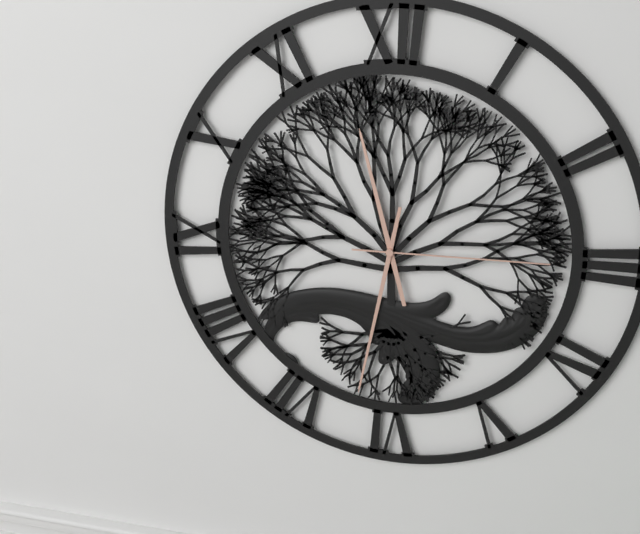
11:32:15
